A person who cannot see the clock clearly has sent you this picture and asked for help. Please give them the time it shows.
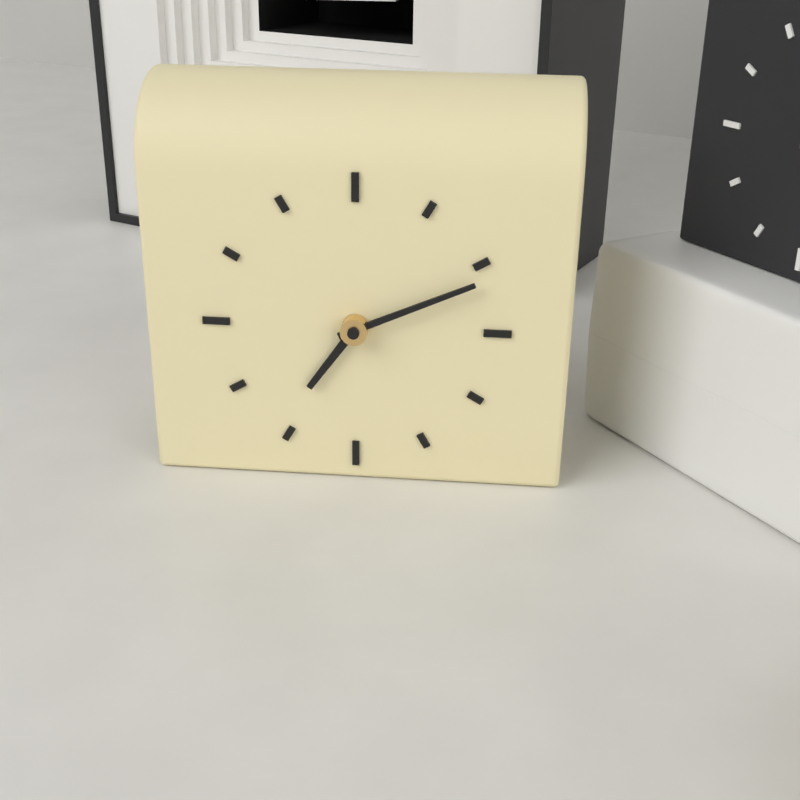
7:11
